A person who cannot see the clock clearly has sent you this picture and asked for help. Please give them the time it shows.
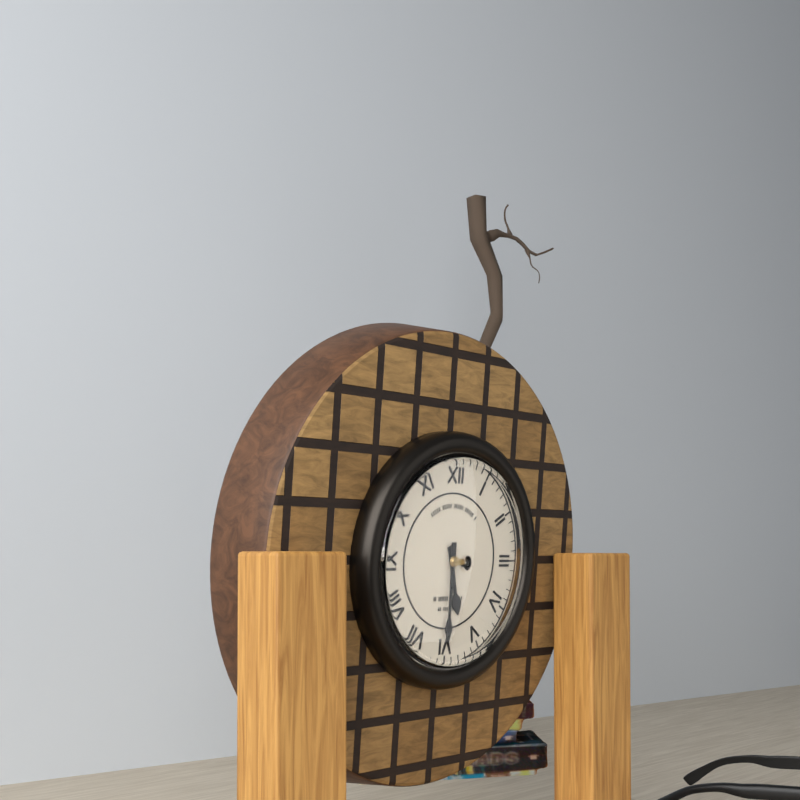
5:30
